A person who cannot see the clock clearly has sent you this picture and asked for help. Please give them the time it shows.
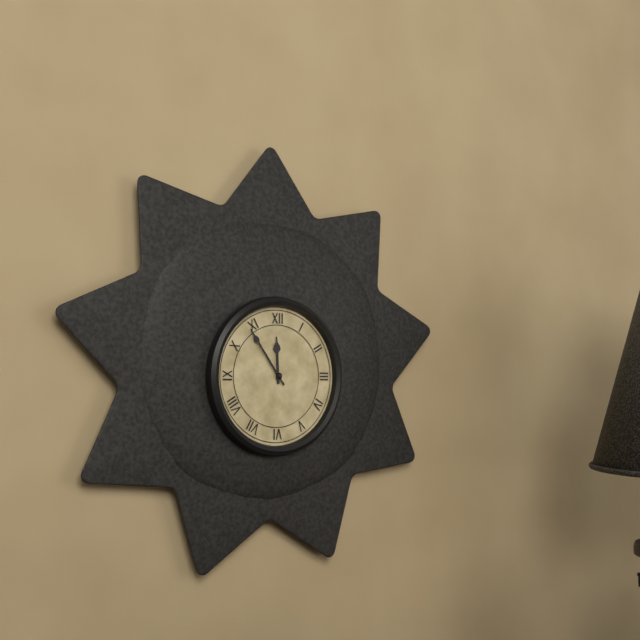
11:54
